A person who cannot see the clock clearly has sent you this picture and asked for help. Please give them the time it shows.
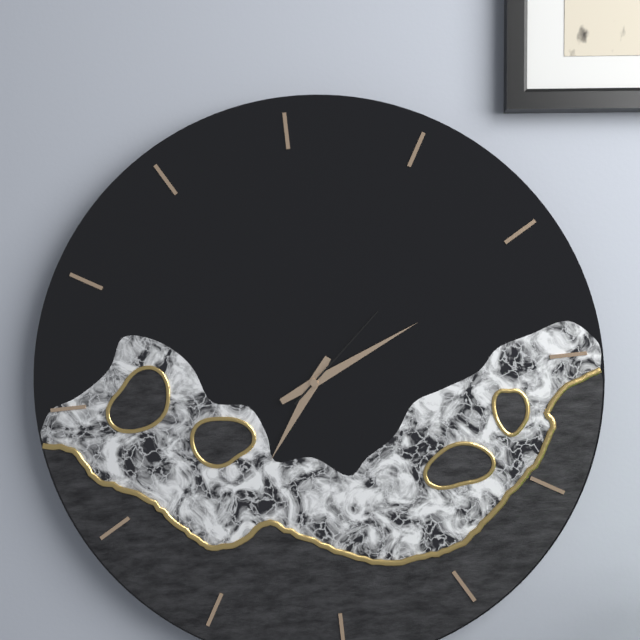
7:11:08
